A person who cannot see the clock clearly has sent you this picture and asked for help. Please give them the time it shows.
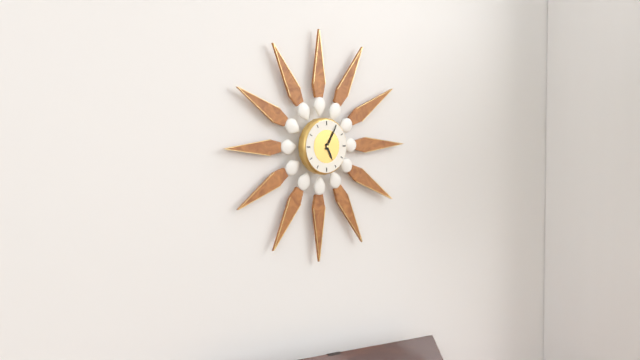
5:05
